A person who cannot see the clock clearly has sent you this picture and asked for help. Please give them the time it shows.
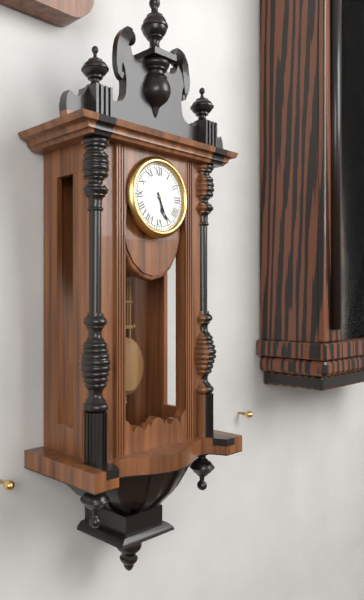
5:26
